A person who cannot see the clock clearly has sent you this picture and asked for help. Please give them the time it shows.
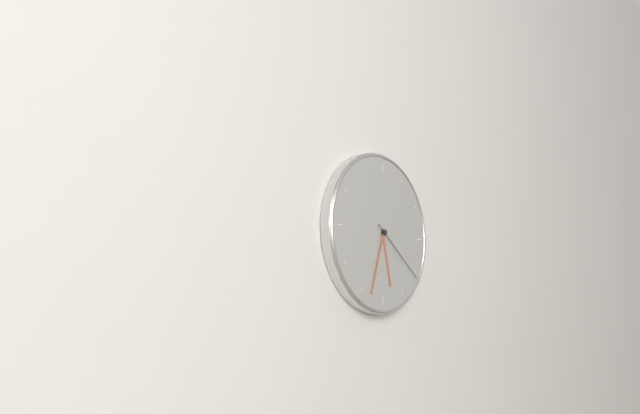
5:33:21
